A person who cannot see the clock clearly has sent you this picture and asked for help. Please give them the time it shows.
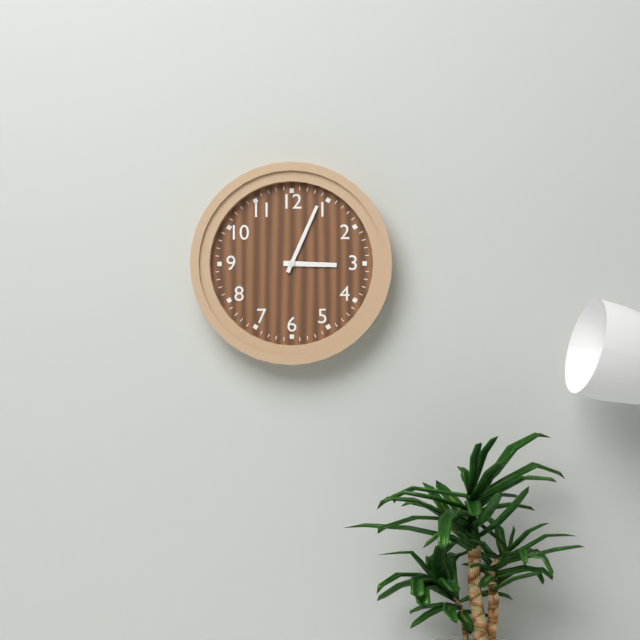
3:04
